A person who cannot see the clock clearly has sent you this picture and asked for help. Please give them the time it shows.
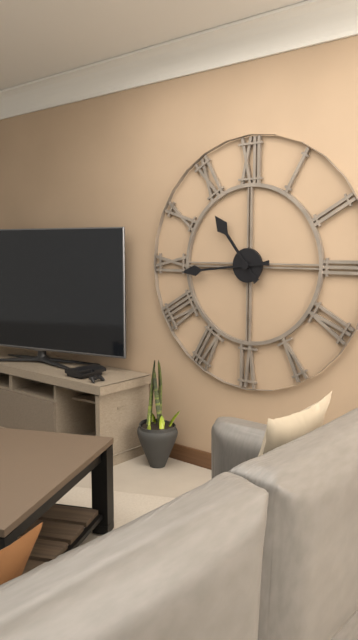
10:44
